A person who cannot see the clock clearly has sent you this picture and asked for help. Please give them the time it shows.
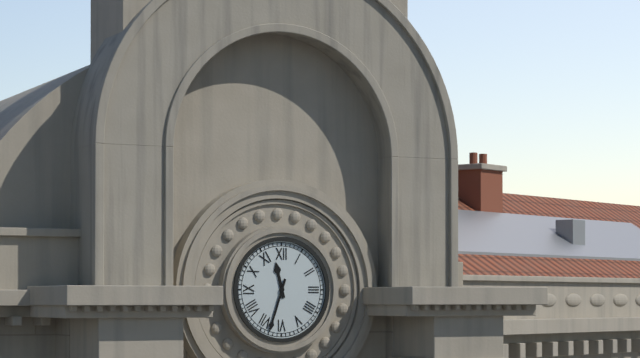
11:33
